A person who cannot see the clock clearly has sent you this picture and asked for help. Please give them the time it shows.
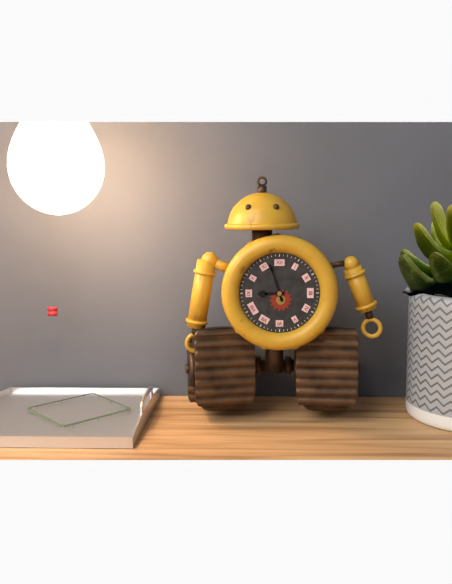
8:57
